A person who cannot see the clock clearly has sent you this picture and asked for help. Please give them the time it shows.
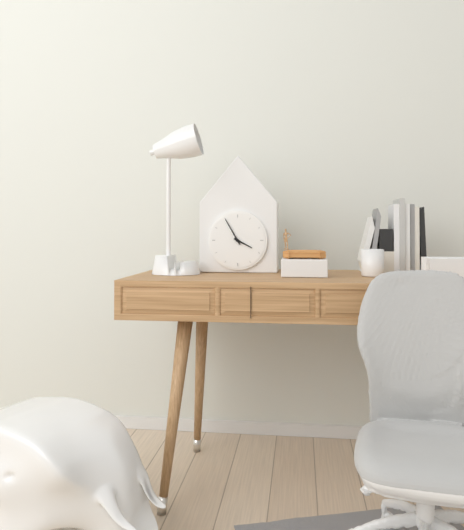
3:55
